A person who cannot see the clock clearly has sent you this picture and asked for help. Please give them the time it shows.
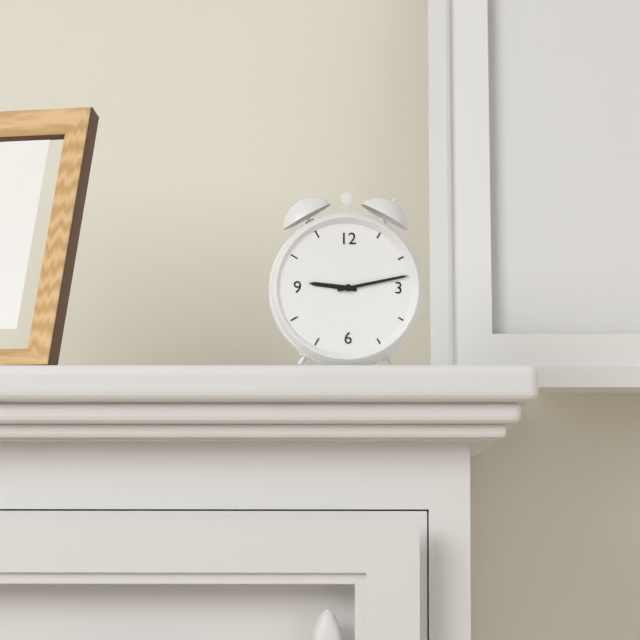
9:13
